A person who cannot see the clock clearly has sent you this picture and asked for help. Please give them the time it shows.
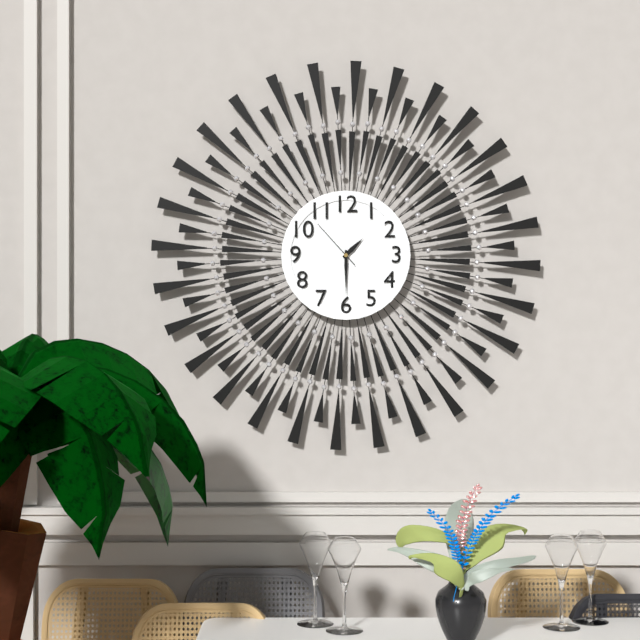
1:30:53
